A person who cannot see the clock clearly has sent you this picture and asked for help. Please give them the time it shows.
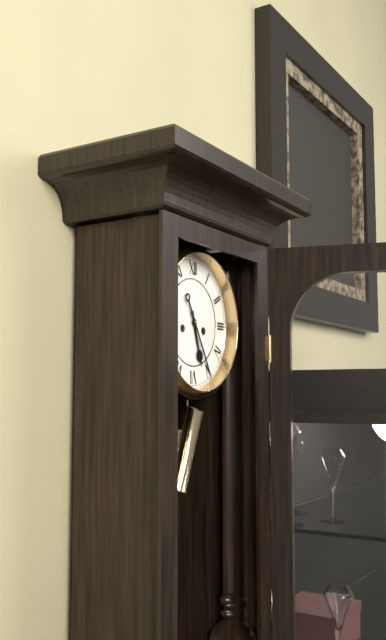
5:25
